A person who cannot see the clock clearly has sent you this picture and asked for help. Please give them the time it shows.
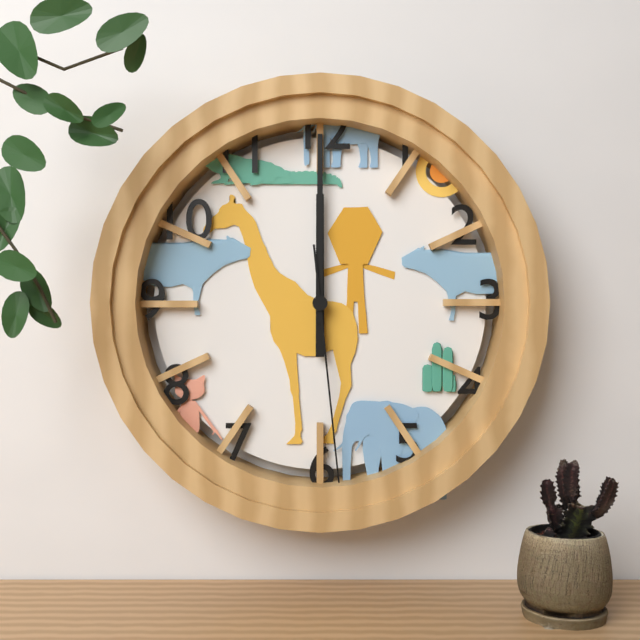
12:00:29
